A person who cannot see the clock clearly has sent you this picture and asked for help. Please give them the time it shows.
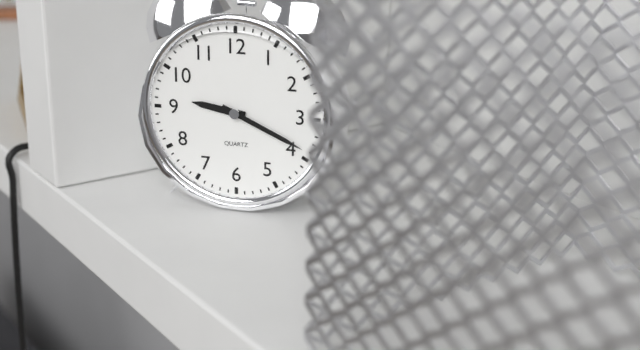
9:19
